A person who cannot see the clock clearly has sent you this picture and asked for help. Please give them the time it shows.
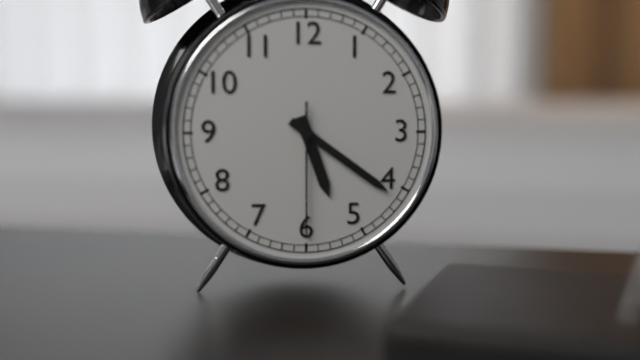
5:21:30
